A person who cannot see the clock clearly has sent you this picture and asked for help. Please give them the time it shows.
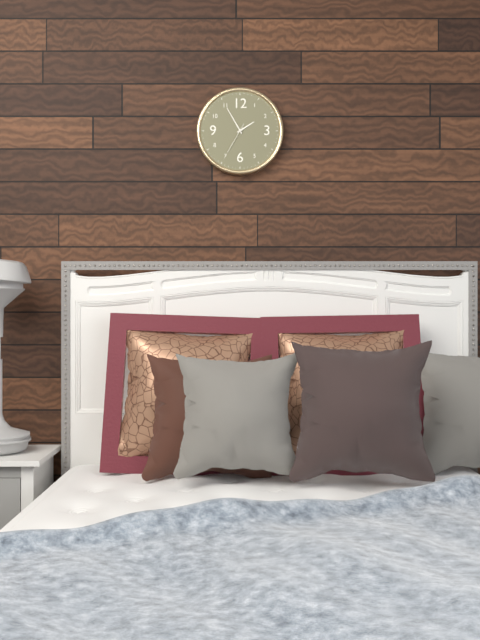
1:55
